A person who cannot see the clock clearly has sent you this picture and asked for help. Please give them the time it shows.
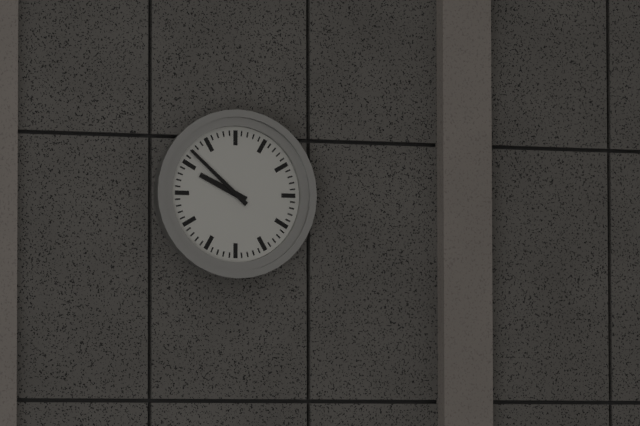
9:52
